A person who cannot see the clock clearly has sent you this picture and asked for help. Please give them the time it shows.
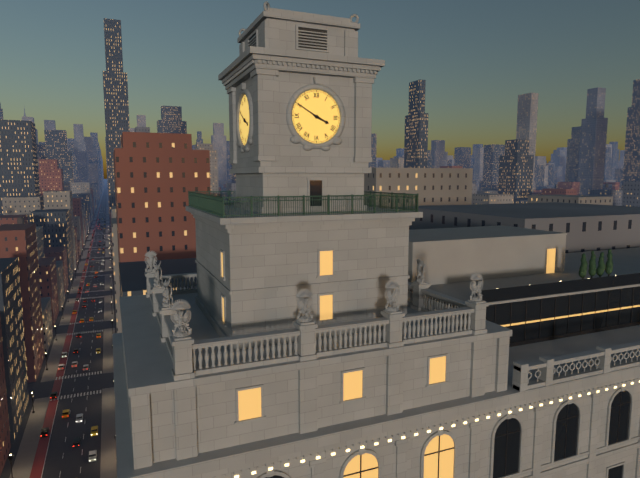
3:50
